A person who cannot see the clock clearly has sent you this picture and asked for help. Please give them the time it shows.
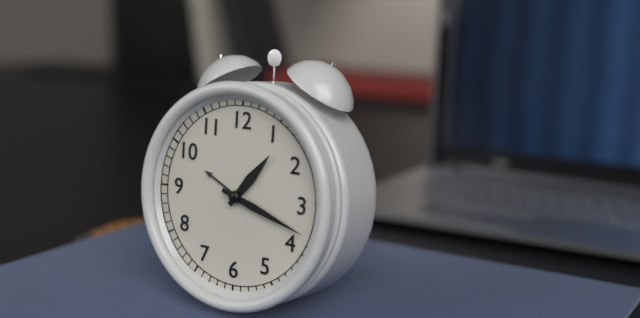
1:18
